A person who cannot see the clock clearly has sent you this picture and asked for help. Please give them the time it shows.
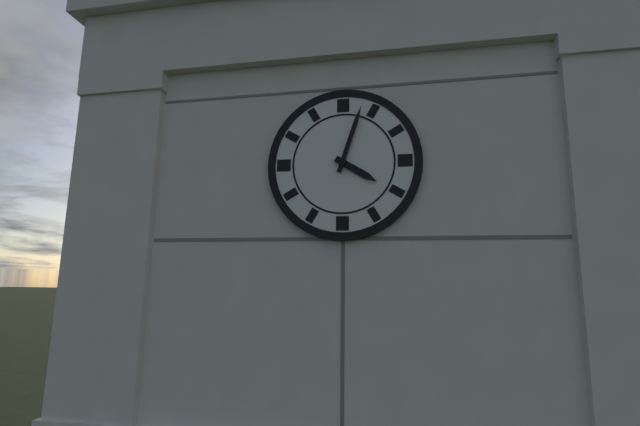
4:03
